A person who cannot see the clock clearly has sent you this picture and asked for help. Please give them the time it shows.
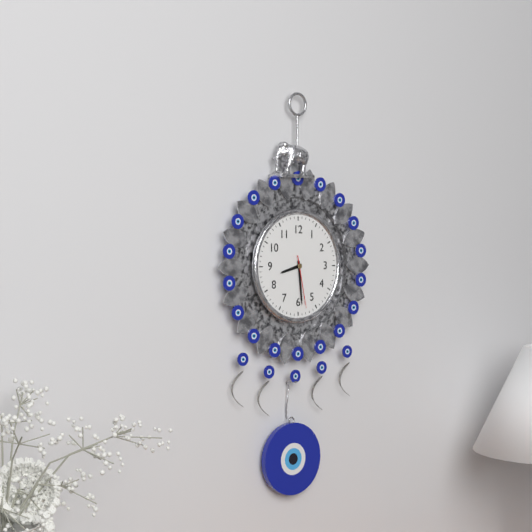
8:29:28
